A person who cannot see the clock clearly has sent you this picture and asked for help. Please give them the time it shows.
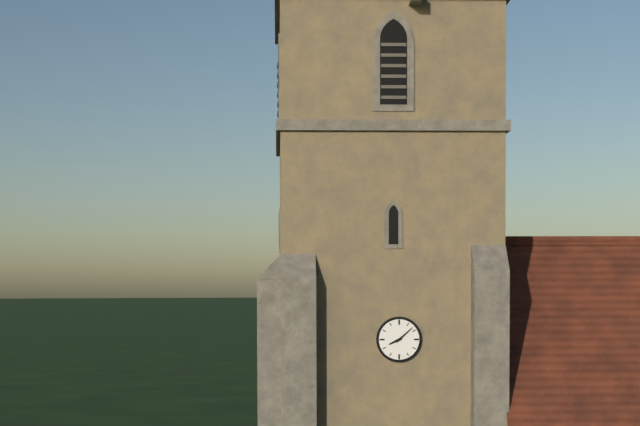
8:08
